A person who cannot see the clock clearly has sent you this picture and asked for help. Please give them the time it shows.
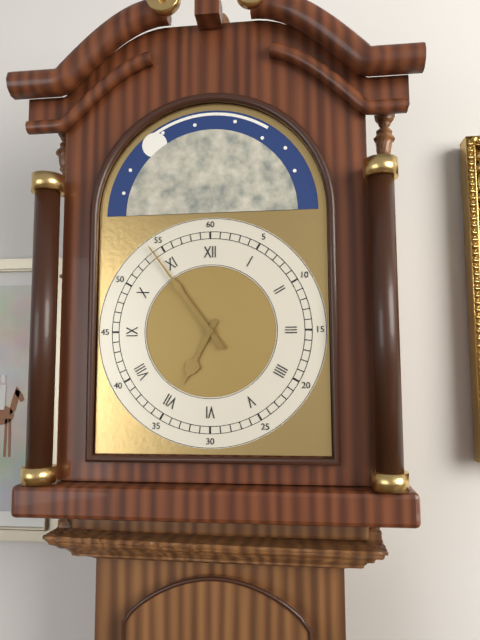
6:54
